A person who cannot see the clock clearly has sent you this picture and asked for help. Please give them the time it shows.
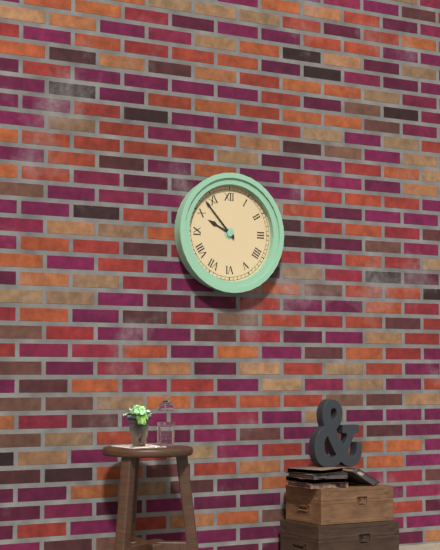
9:53
